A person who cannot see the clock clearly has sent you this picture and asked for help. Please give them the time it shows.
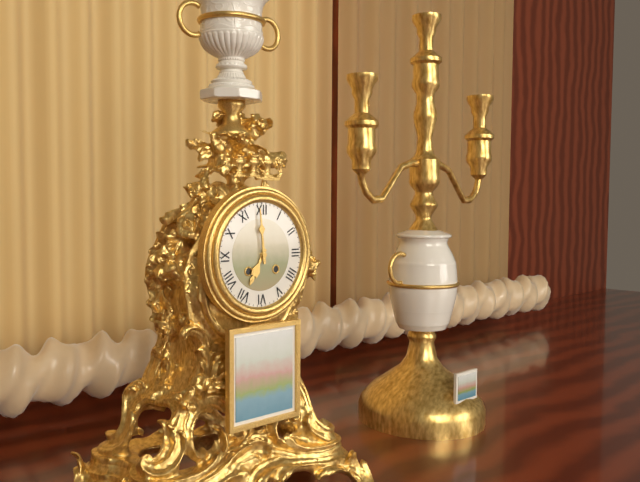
6:59
